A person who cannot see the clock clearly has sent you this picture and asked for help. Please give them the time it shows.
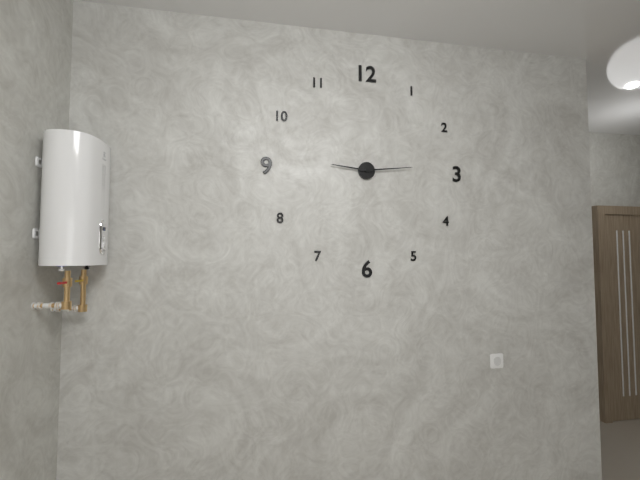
9:14
